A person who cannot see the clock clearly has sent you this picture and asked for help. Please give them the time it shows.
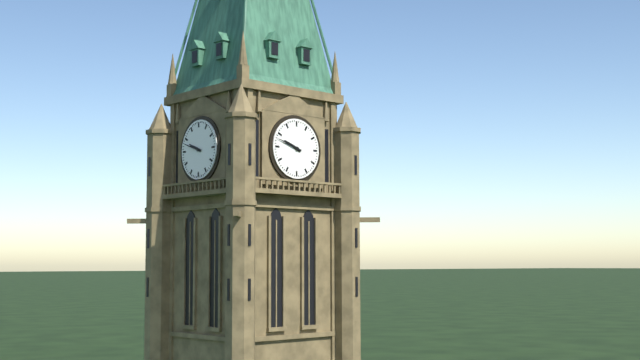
9:48
